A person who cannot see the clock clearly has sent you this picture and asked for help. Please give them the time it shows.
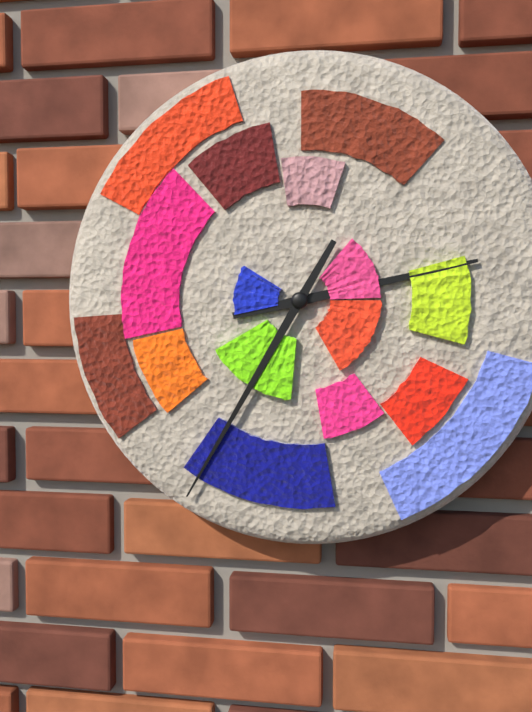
2:35
